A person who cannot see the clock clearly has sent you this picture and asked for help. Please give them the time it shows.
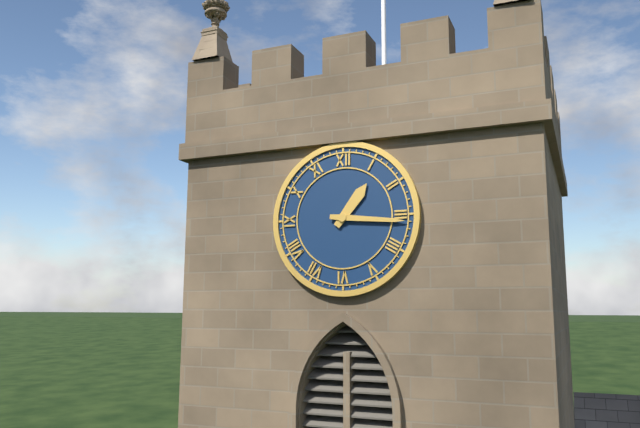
1:16
